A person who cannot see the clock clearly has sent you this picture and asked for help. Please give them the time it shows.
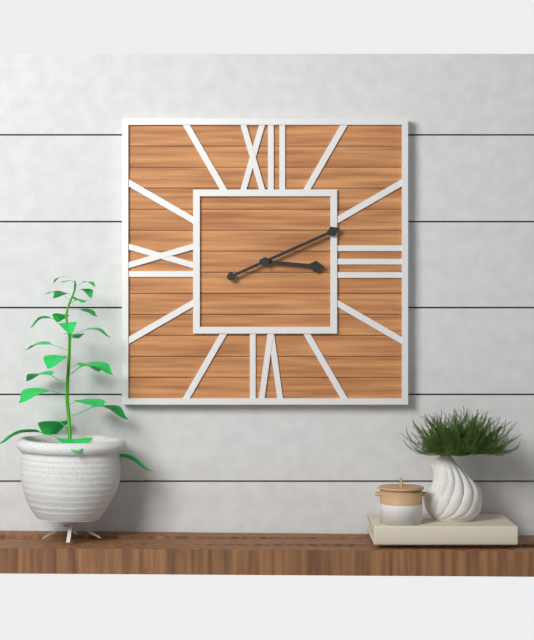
3:11
